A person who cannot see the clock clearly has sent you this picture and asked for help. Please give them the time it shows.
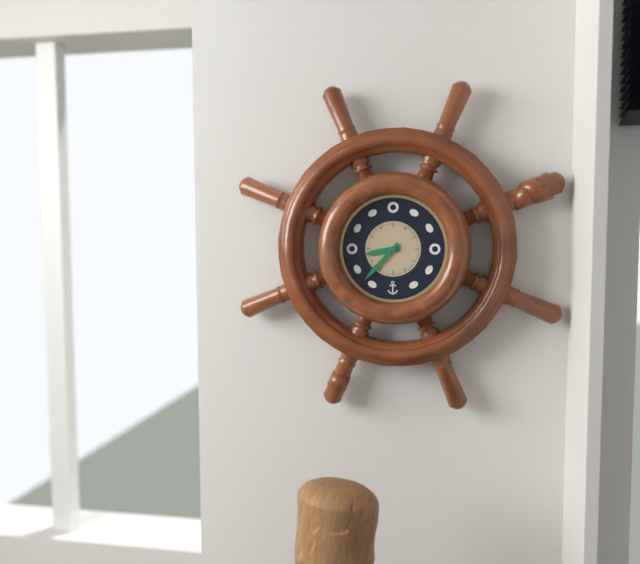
8:37
